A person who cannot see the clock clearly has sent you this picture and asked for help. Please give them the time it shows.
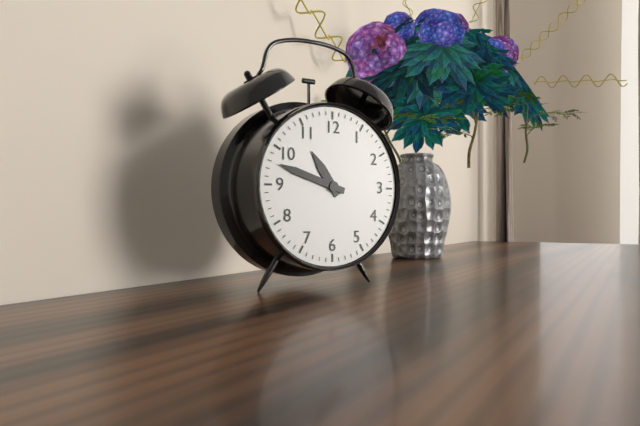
10:48
